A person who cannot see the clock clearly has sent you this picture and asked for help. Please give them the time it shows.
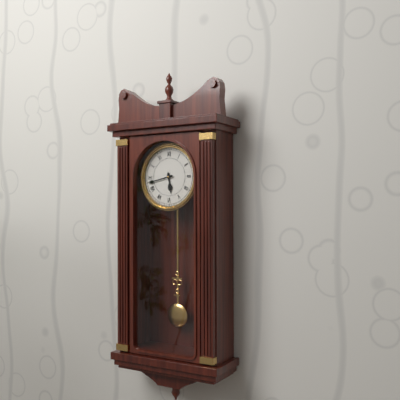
5:43
